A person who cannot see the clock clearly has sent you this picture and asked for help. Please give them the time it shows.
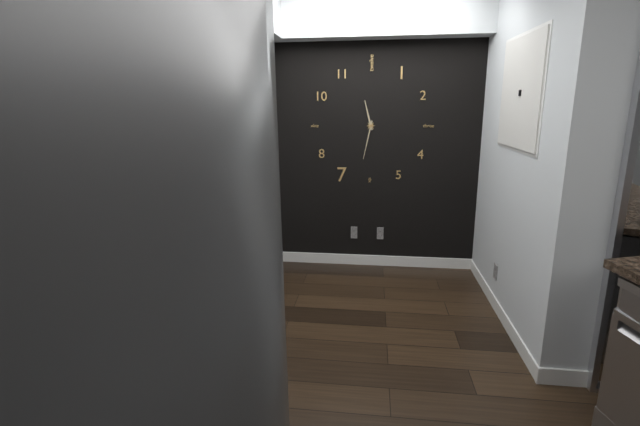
11:32
